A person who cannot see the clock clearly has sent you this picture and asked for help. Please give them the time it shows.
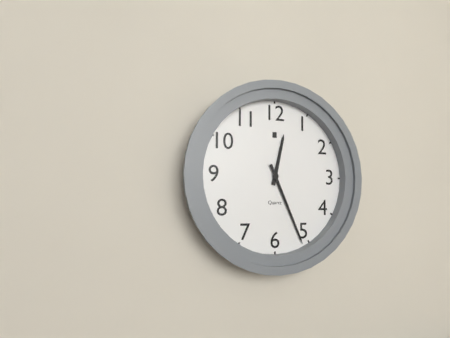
12:26
